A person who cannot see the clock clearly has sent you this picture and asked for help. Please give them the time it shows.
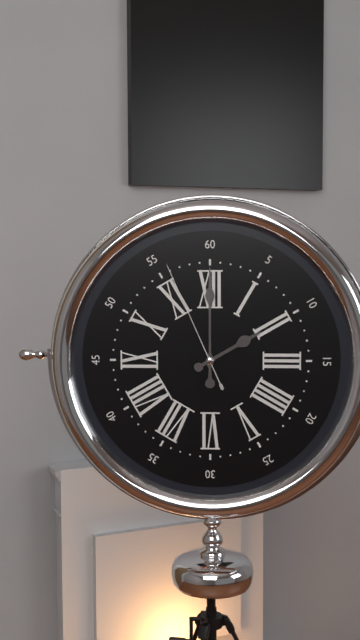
2:00:56
